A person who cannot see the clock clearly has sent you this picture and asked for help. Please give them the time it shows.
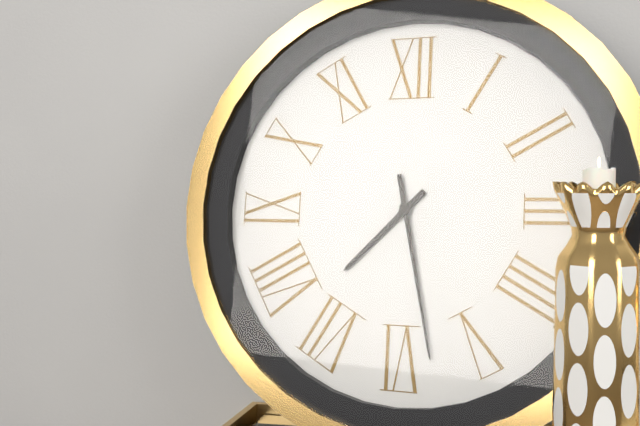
7:28
